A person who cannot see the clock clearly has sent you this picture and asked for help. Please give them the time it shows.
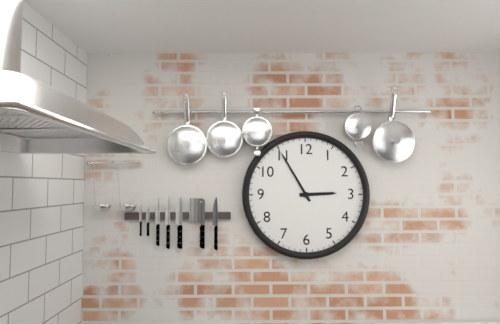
2:55
